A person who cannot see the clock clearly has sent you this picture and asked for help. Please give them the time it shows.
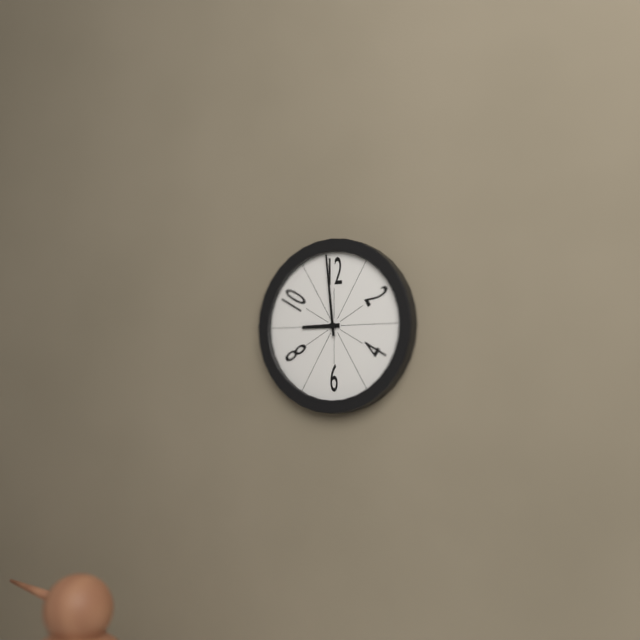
8:59
